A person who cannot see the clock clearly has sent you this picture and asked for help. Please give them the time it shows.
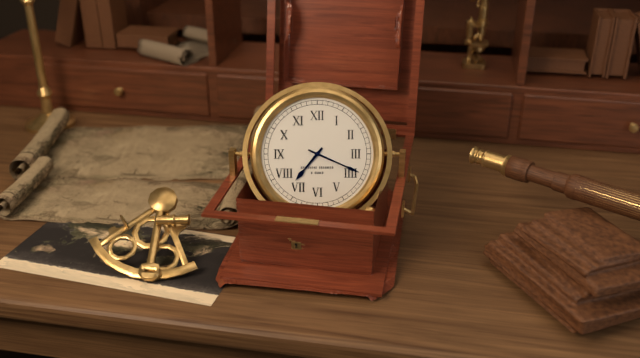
7:19
